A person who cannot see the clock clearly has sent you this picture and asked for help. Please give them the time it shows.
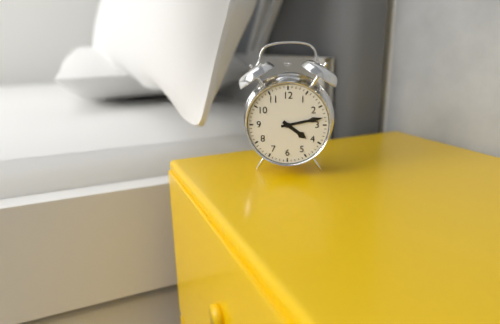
4:13
